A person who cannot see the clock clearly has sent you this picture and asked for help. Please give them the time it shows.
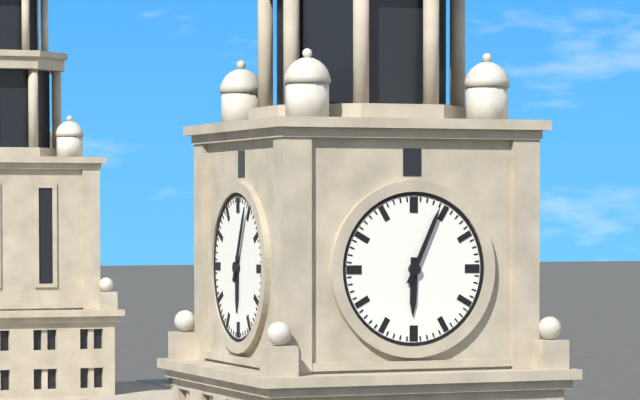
6:04
